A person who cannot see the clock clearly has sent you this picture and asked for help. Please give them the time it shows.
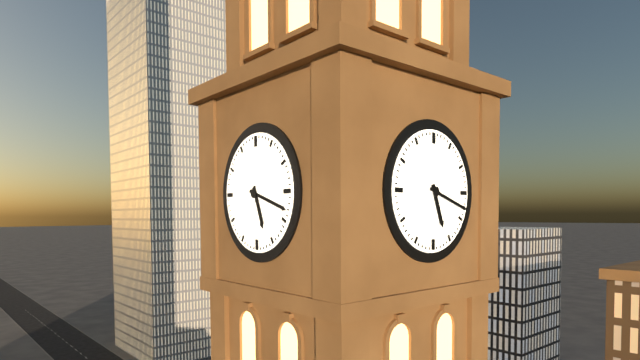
5:18
